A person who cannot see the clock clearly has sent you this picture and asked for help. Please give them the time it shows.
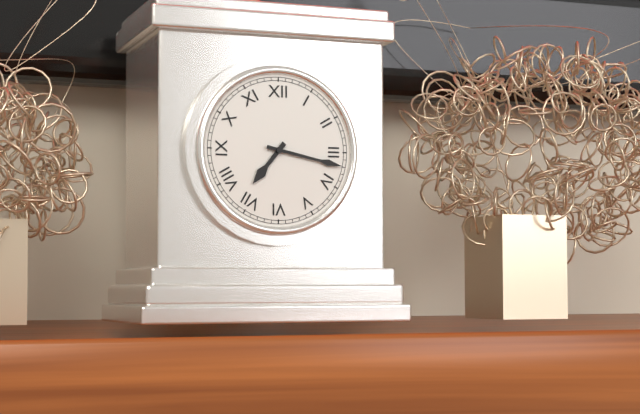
7:17
